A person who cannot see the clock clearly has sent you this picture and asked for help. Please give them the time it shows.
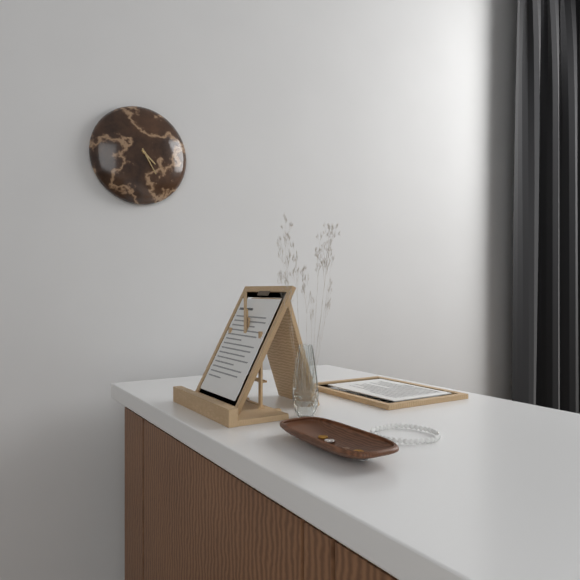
4:25
